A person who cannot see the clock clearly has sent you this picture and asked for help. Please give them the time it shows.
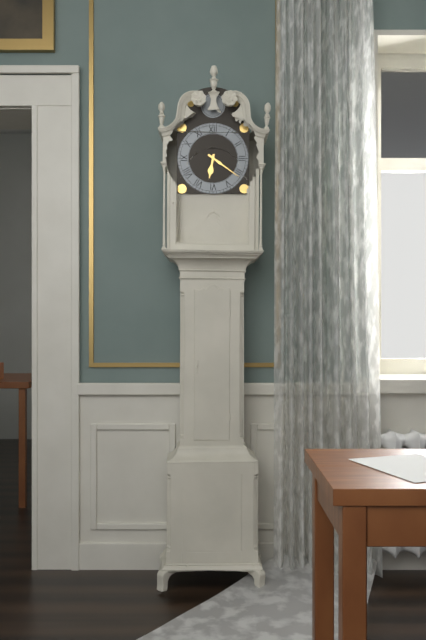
6:21
